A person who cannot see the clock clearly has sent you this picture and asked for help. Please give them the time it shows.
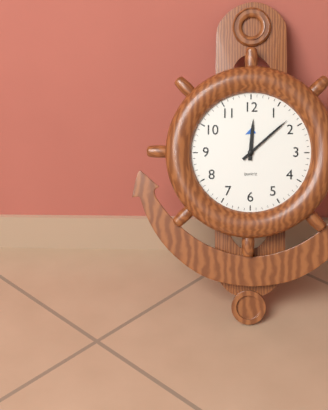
12:08
